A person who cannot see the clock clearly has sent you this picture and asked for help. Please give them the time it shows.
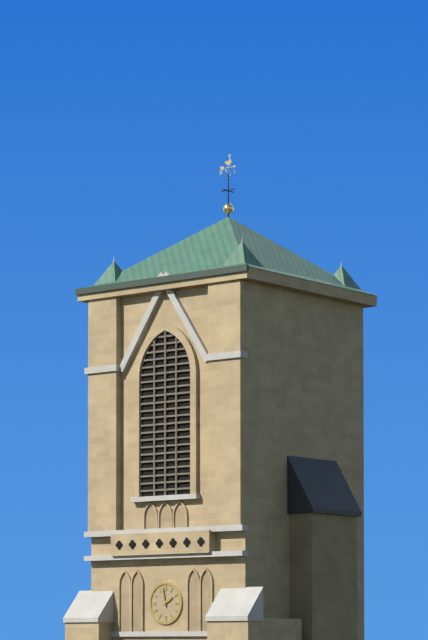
1:58
